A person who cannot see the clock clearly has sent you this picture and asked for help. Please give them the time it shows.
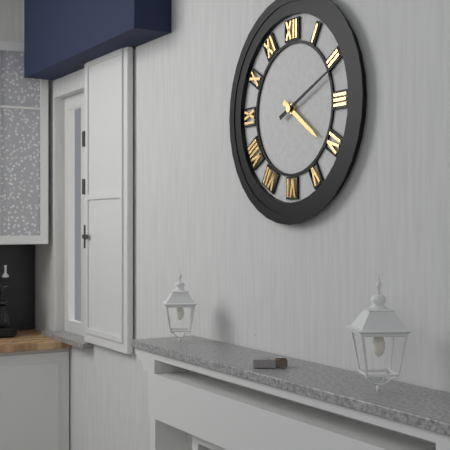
4:11
